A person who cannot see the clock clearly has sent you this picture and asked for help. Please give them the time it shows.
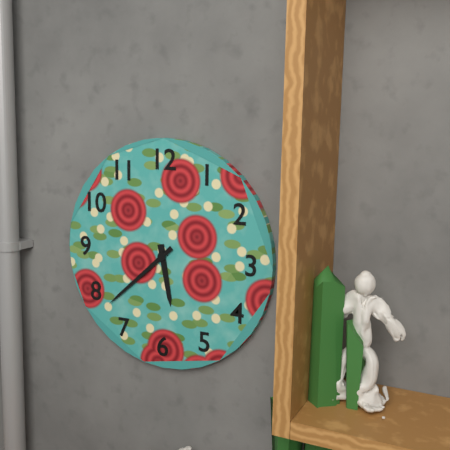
5:38
